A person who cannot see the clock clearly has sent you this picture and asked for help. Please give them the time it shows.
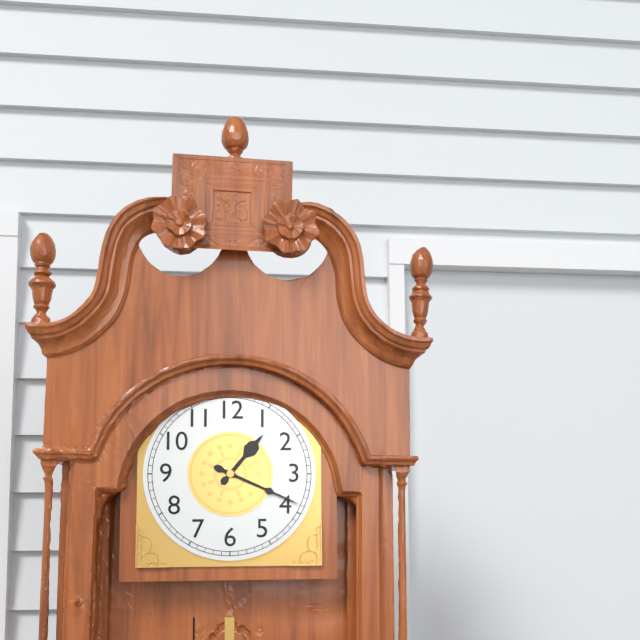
1:19
